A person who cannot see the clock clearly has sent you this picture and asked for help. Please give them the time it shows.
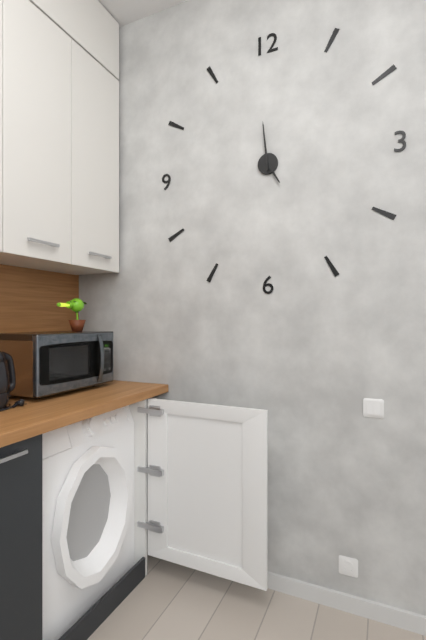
4:59
